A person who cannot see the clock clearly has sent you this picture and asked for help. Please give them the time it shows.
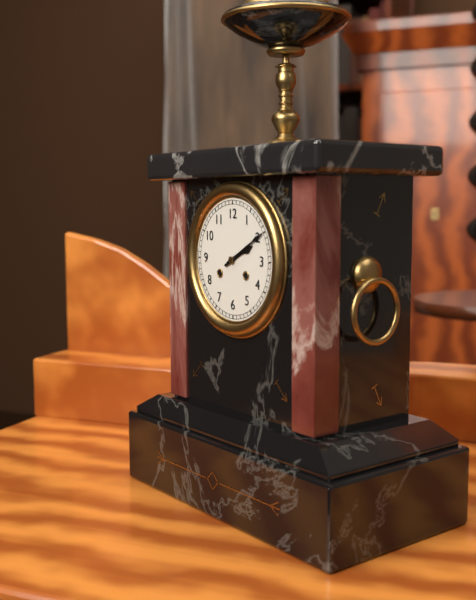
2:10
